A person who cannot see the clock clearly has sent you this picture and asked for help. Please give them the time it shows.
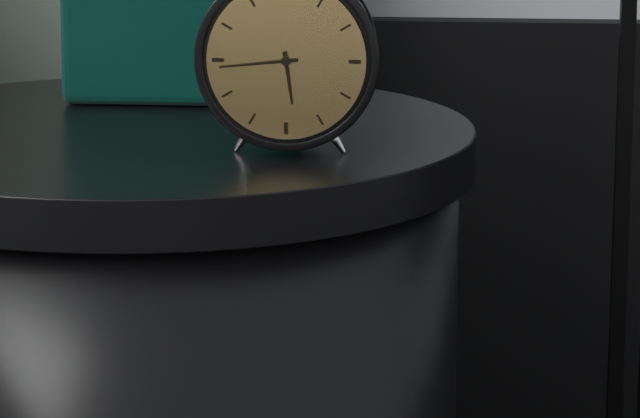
5:44
